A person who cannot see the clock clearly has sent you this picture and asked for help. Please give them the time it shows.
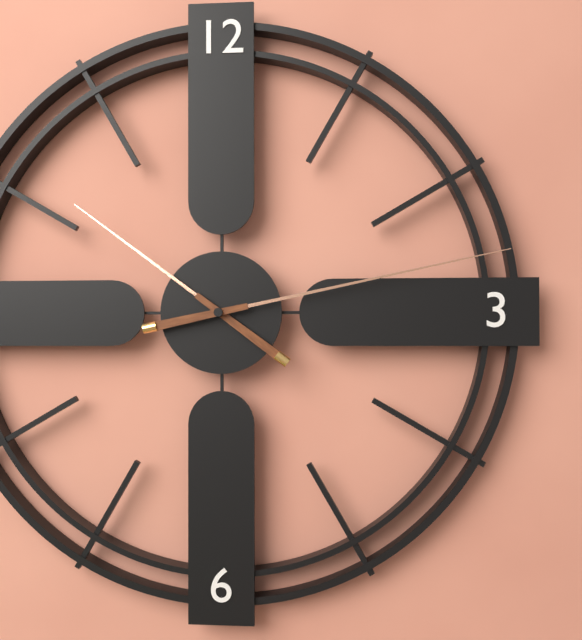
10:13
